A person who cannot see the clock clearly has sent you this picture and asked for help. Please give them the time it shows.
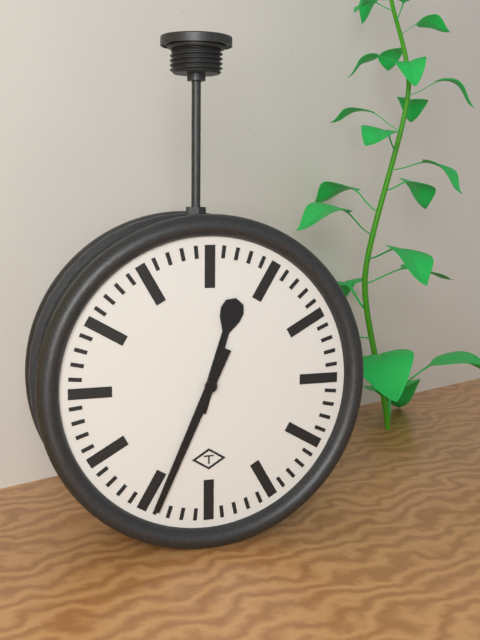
12:34
